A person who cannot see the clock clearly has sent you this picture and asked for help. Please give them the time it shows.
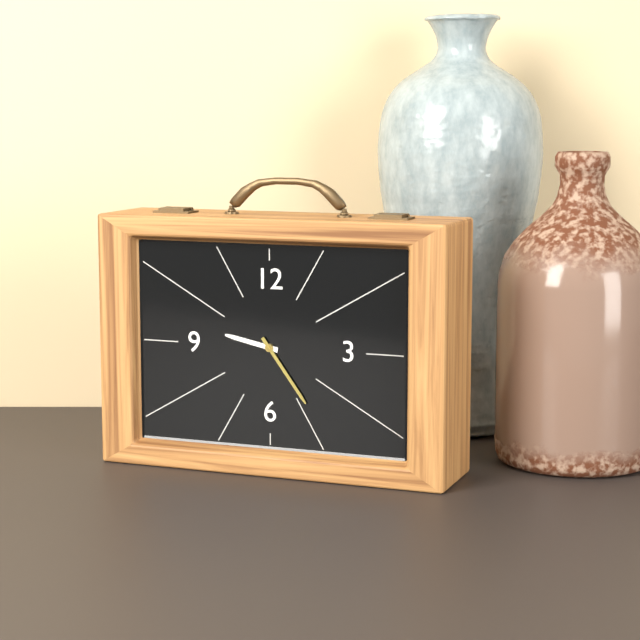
9:24
